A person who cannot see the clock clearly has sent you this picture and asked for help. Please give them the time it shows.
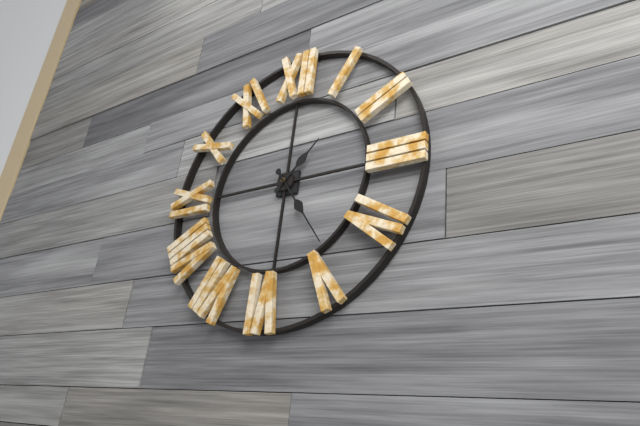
1:24
